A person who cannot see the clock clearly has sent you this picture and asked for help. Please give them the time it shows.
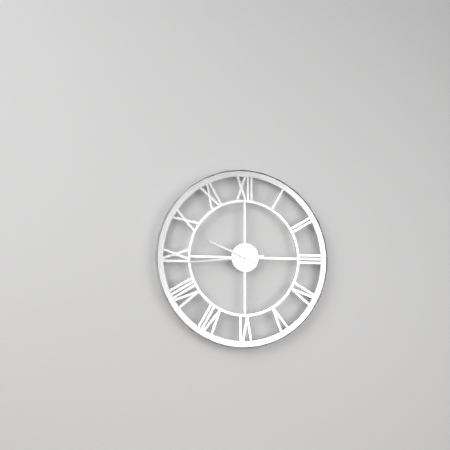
9:44
